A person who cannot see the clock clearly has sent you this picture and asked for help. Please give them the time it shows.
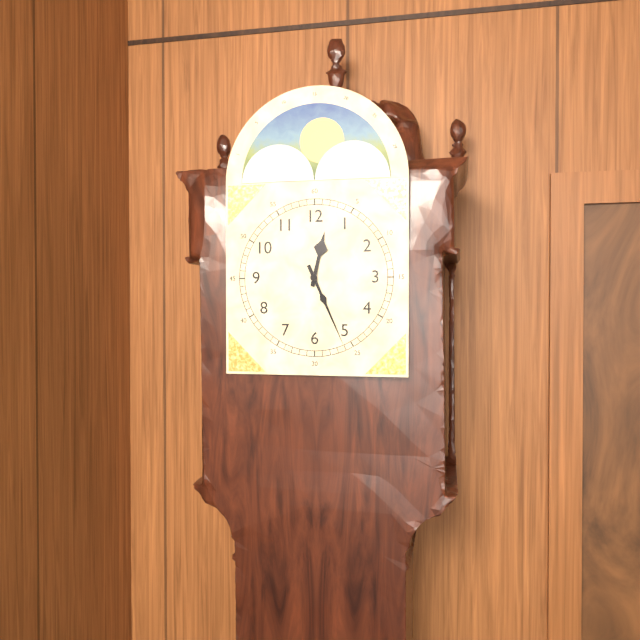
12:26
